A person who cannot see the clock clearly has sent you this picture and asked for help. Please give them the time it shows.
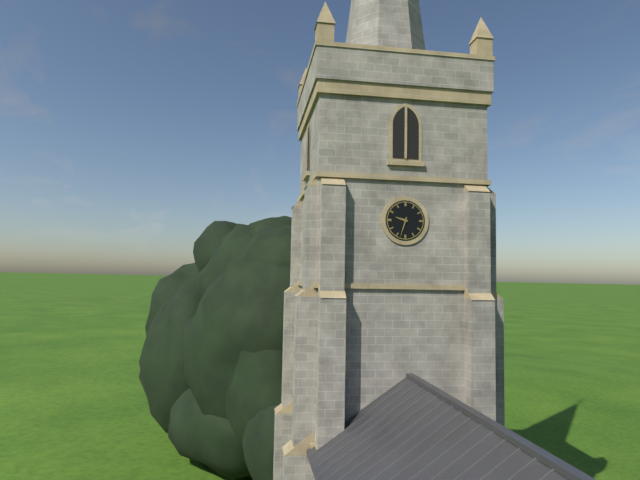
9:33
